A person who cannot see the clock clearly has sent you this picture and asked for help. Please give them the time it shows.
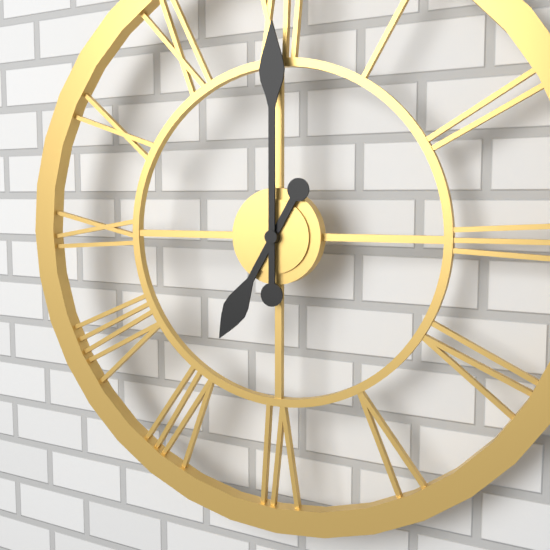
7:00
